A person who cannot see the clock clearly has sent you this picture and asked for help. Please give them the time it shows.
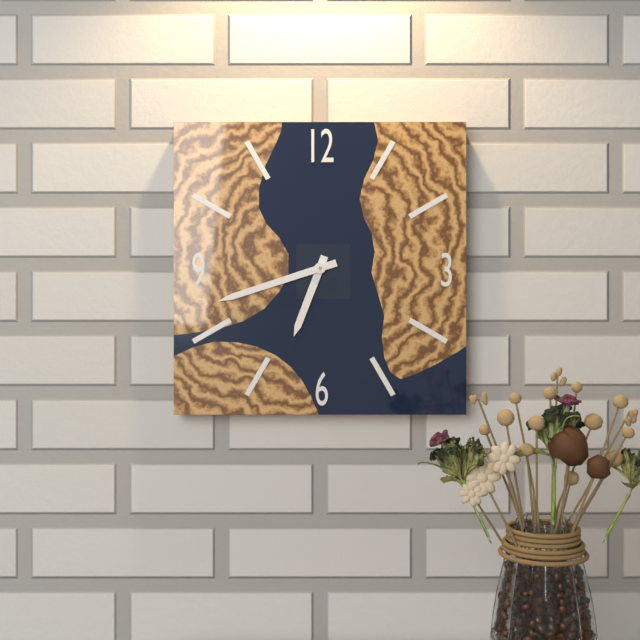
6:42
